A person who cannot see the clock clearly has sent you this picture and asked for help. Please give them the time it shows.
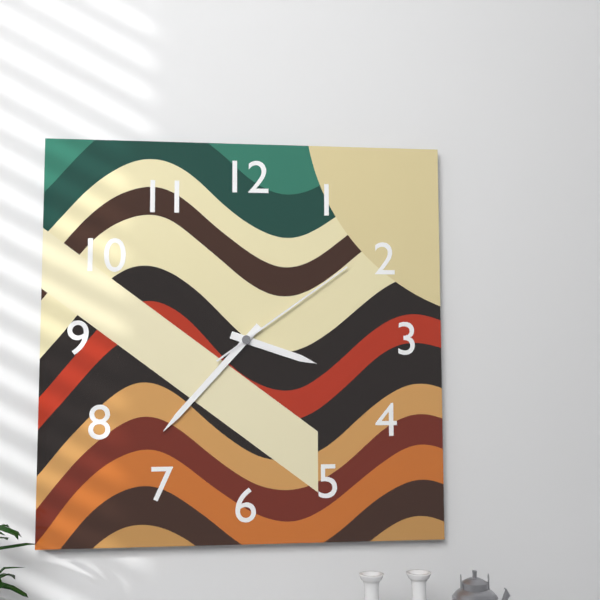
3:37:09
